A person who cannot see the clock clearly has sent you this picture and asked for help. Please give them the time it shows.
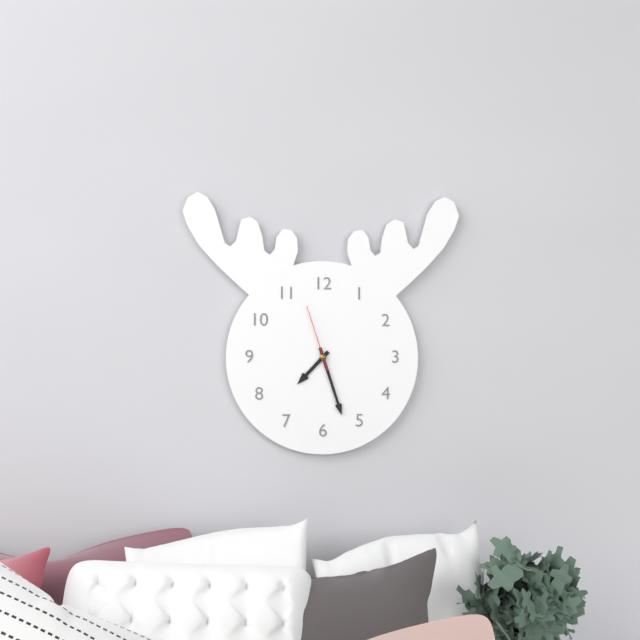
7:27:57
